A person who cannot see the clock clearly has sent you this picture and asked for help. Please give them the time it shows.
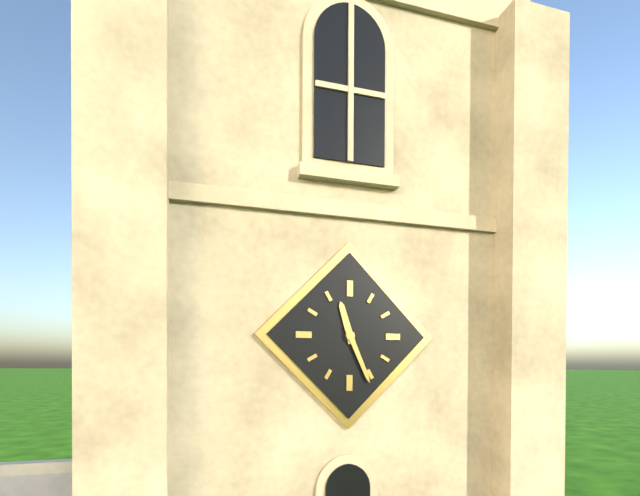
11:26
